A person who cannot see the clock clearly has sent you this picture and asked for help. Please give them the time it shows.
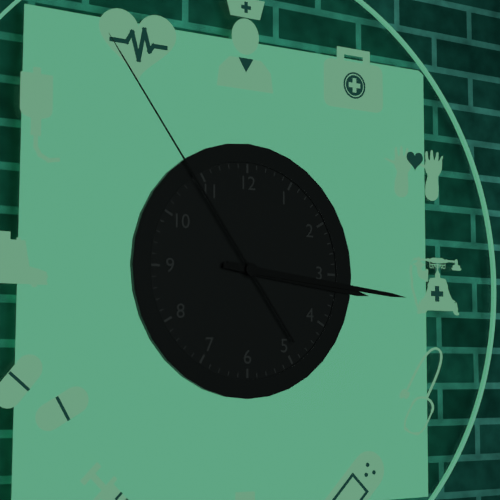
3:16:54
